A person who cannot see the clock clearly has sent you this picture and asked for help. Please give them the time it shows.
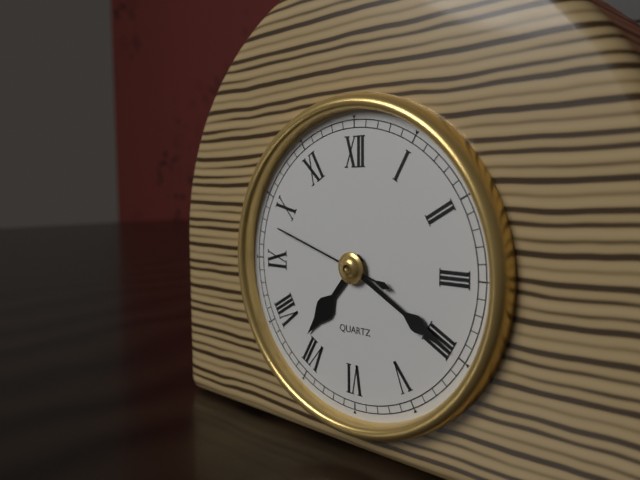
7:20:48
